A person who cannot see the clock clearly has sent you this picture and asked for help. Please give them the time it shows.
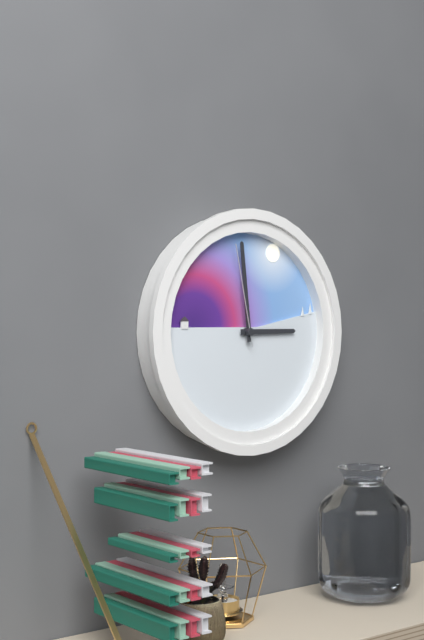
2:59:58
